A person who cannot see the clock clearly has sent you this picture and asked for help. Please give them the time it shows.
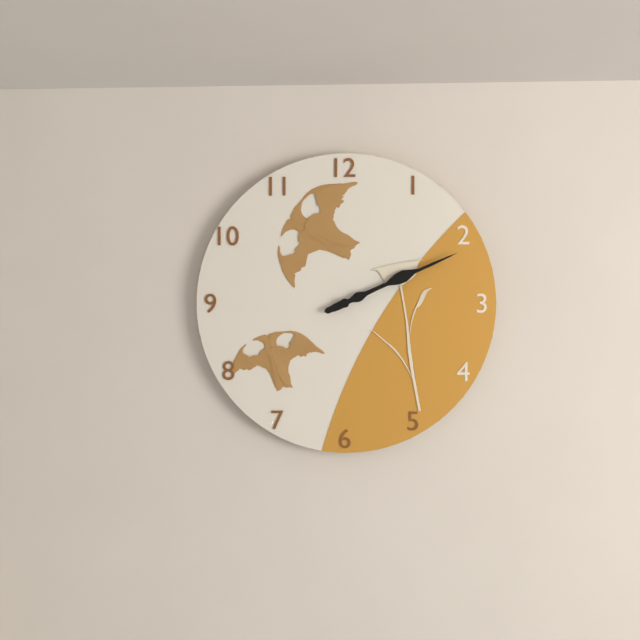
2:11
